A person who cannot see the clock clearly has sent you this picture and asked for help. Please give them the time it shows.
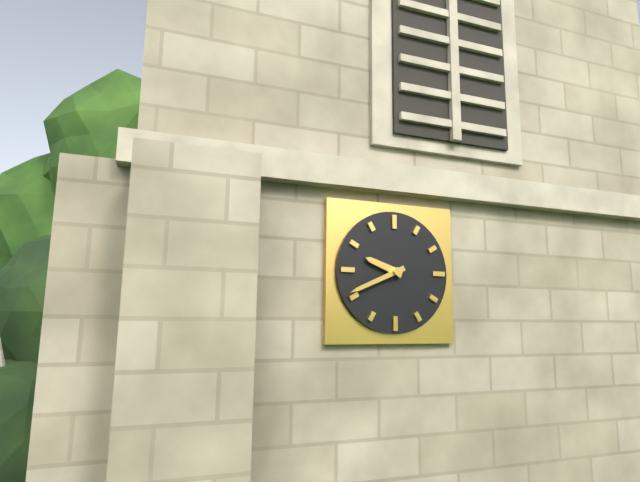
9:41
